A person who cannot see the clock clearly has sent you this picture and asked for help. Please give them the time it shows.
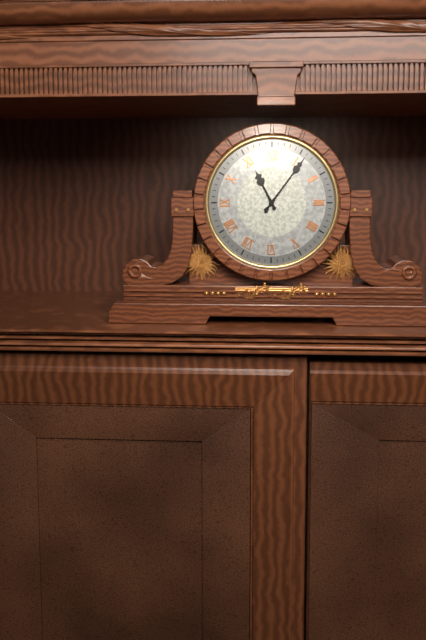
11:06
